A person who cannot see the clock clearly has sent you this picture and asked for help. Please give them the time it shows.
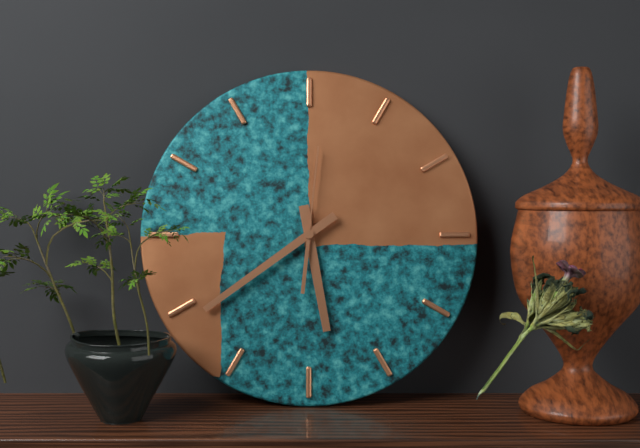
5:39:01
